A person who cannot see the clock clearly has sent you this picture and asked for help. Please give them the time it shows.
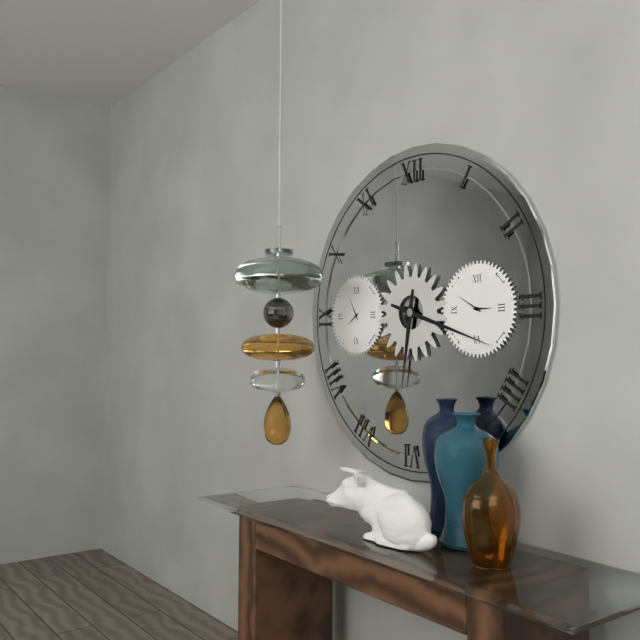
6:18
